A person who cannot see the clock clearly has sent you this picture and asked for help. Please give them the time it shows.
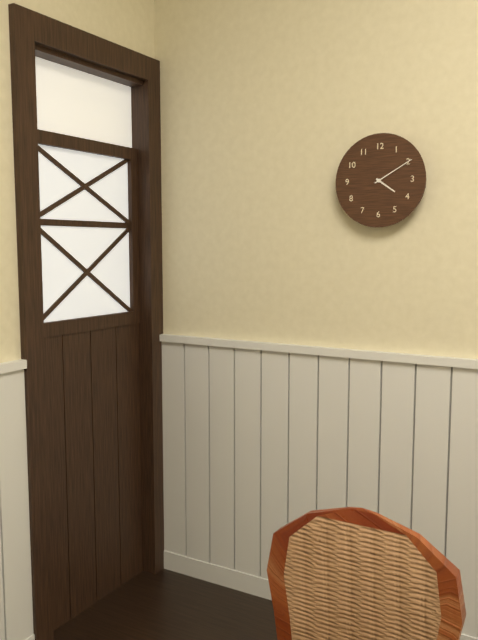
4:10
